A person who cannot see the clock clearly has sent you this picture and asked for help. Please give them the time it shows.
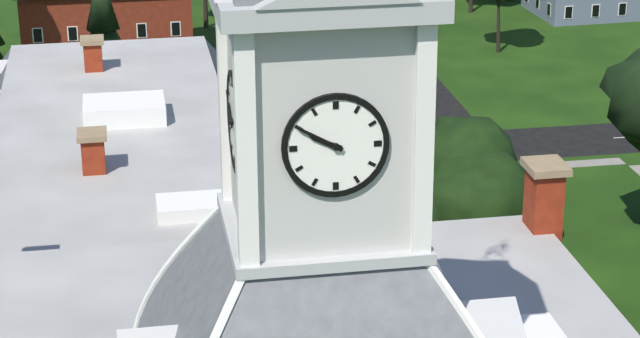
9:50
